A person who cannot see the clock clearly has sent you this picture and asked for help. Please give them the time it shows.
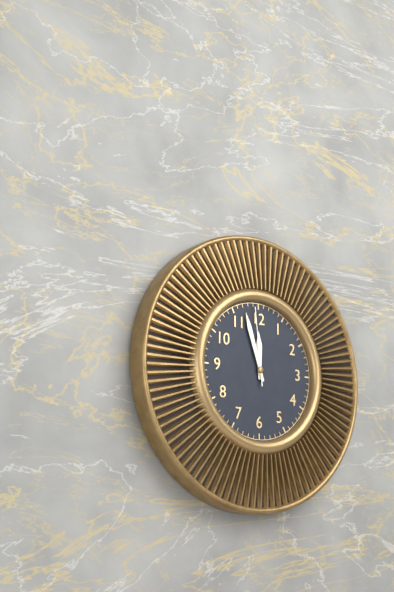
11:57:59
